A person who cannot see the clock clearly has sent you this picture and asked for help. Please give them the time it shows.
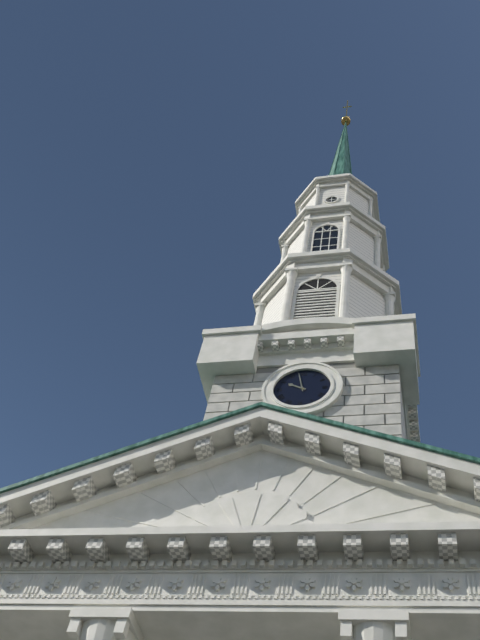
9:58
